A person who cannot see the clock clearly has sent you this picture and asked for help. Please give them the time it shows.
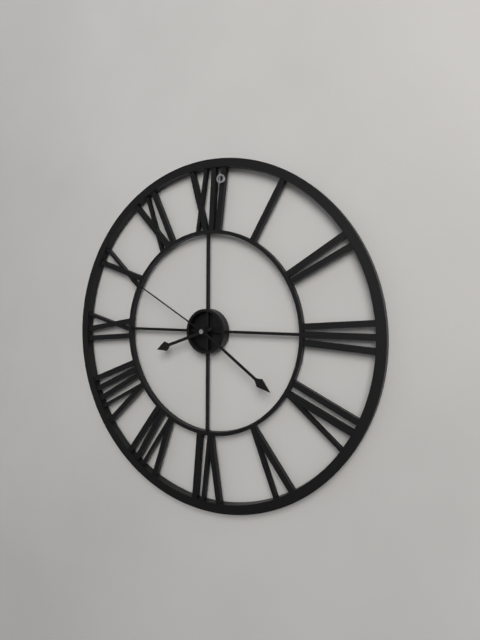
8:21:50
